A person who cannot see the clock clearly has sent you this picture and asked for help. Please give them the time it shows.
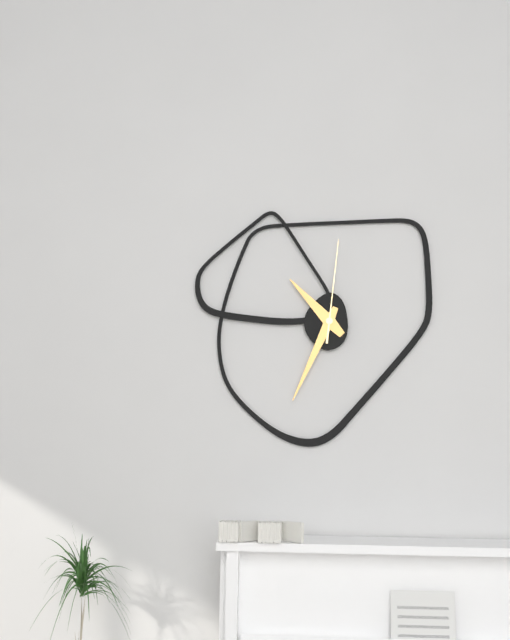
10:34:01
